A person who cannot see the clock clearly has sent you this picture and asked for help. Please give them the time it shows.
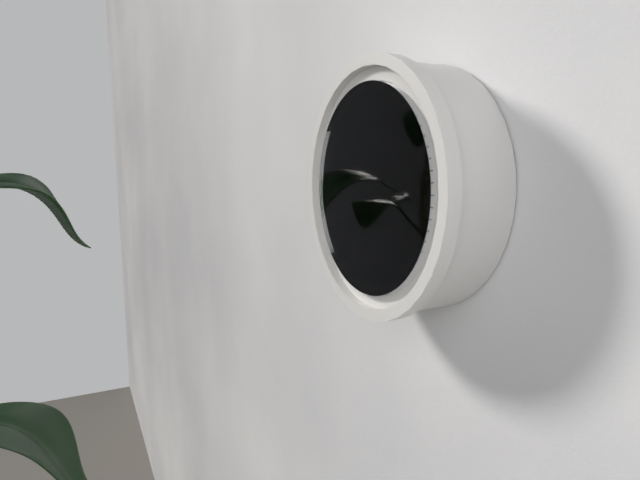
7:14:31
